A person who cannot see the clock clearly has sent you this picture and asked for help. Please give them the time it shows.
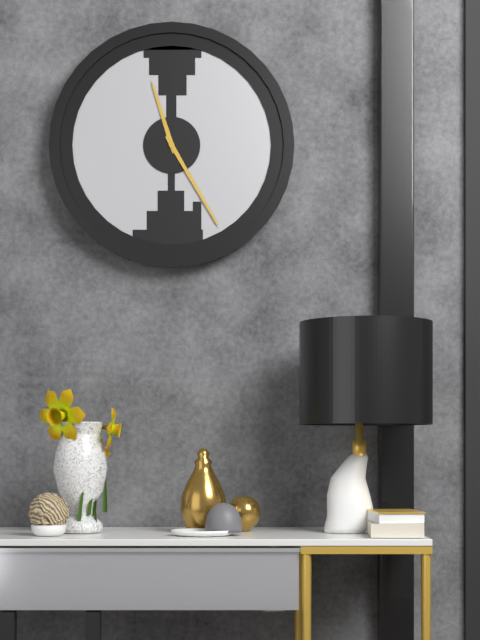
11:25
